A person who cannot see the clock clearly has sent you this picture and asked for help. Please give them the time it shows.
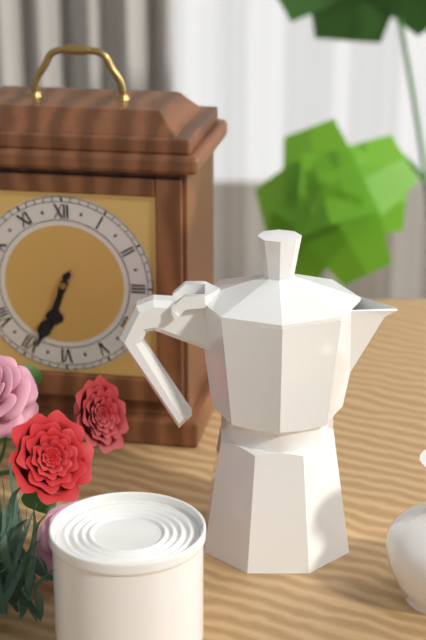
6:34
